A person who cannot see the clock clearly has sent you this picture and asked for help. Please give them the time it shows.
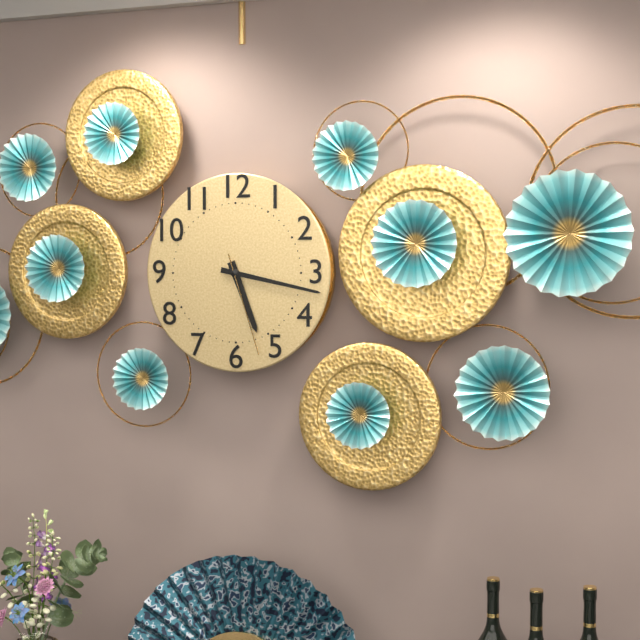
5:17:27
